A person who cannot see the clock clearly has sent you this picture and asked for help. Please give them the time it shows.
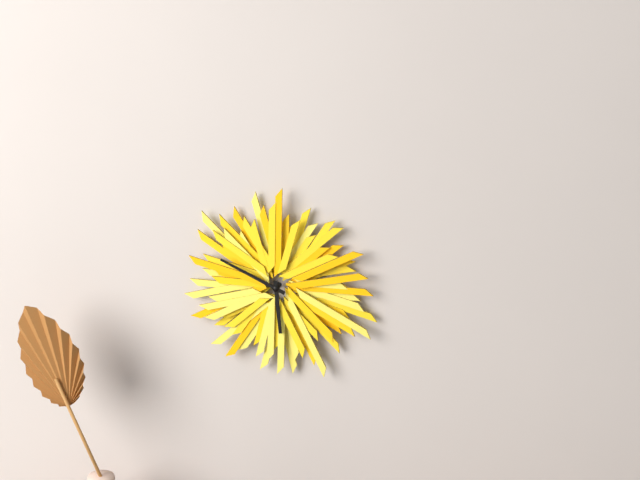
5:49
